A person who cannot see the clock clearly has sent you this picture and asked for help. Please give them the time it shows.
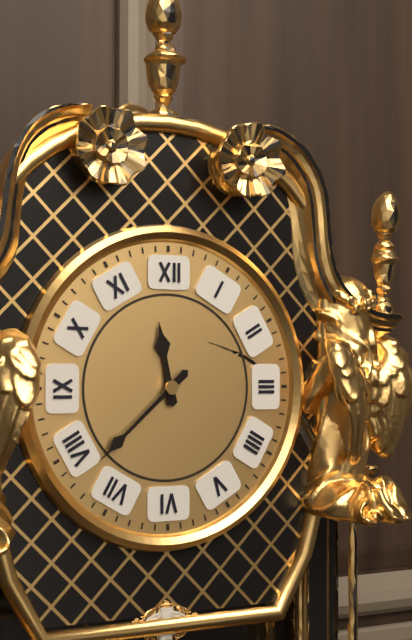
11:38
